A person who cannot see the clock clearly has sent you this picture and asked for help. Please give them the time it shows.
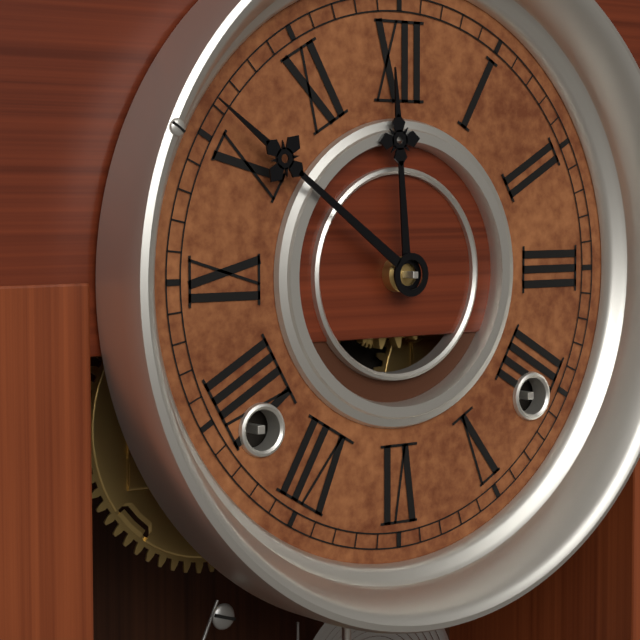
11:51
